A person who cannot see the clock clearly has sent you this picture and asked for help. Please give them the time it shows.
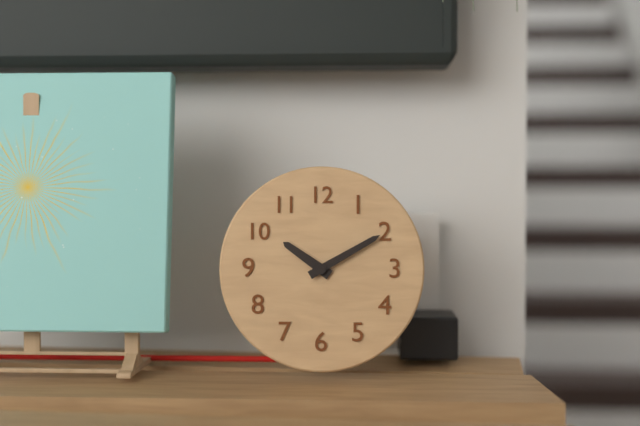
10:10
